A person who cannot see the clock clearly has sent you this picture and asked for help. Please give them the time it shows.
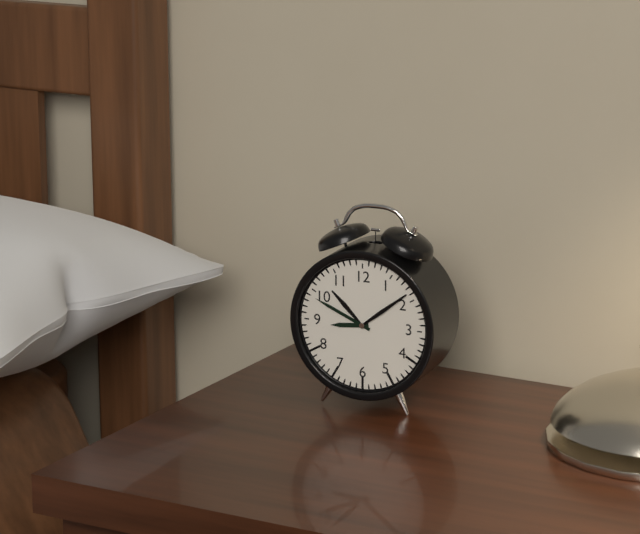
8:49
